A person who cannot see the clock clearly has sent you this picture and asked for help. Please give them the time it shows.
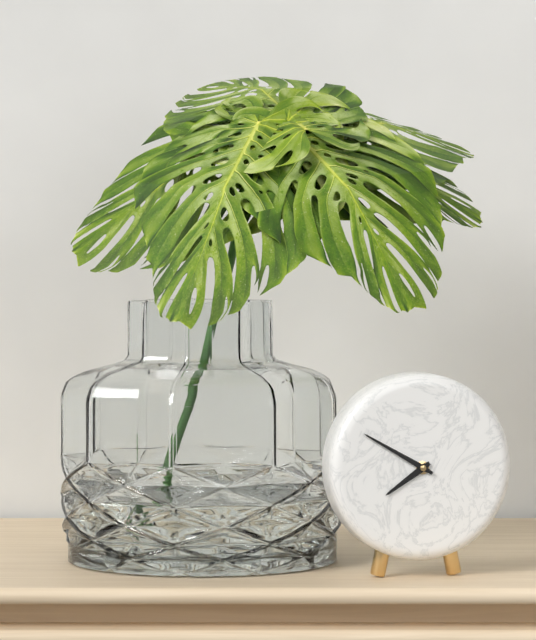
7:50
